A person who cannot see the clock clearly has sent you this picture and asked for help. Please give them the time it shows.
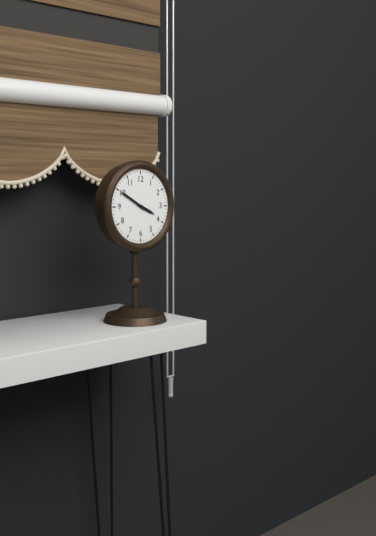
3:50
